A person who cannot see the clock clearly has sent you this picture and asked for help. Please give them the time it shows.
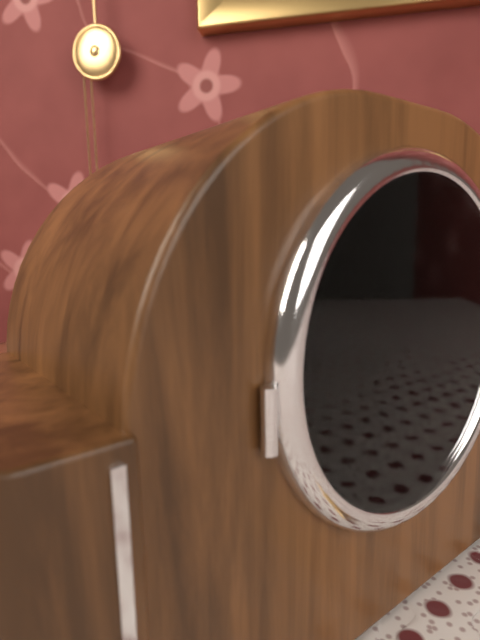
6:07
